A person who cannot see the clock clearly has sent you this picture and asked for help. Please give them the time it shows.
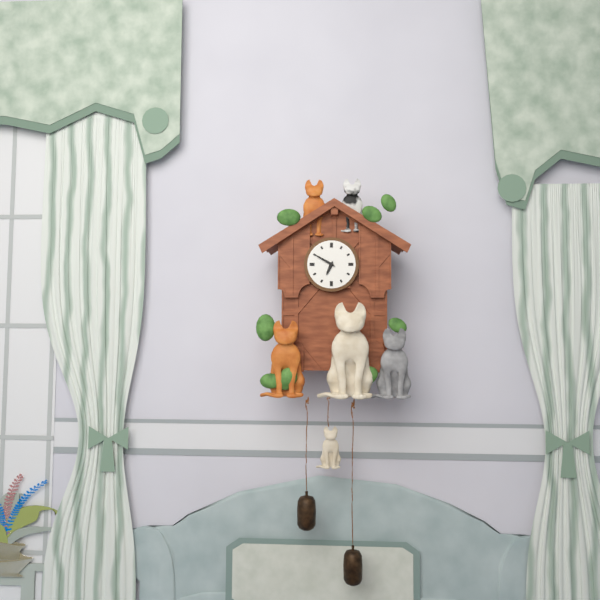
6:50
